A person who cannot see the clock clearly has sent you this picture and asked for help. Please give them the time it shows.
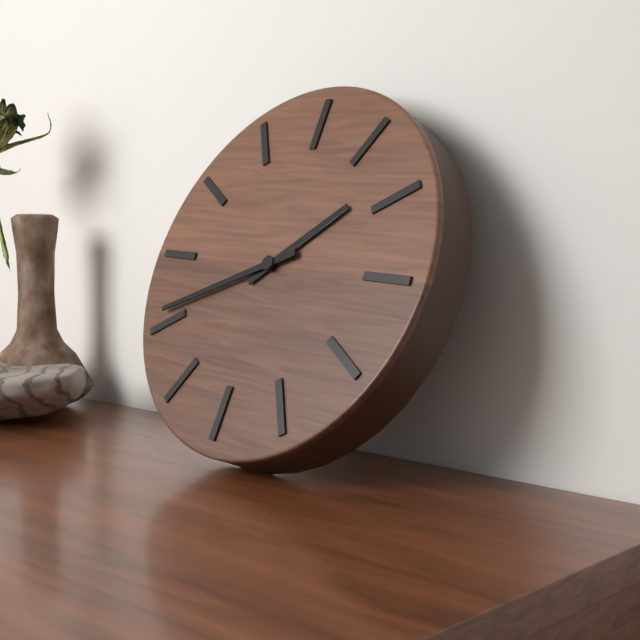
1:41
